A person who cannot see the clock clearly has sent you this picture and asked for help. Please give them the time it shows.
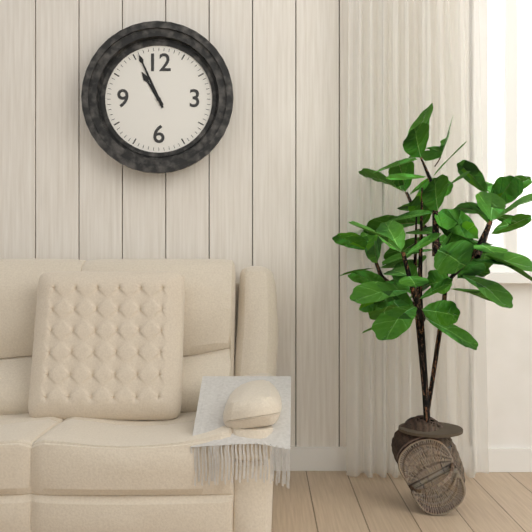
10:56
